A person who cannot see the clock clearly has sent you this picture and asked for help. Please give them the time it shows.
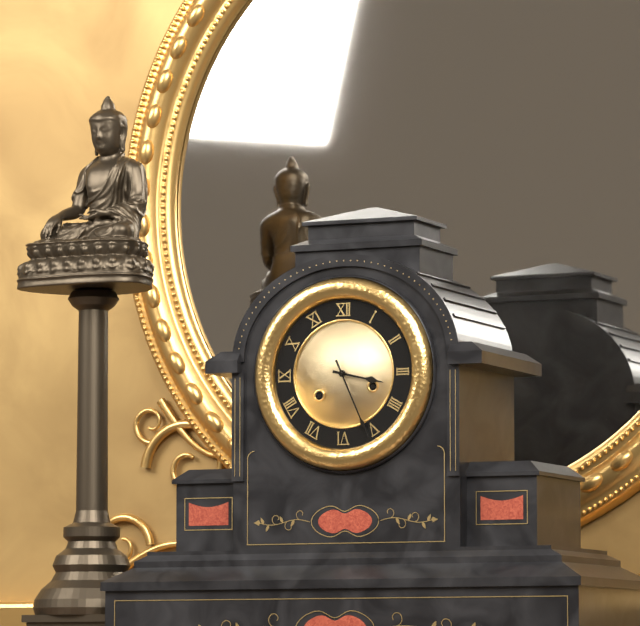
3:26
